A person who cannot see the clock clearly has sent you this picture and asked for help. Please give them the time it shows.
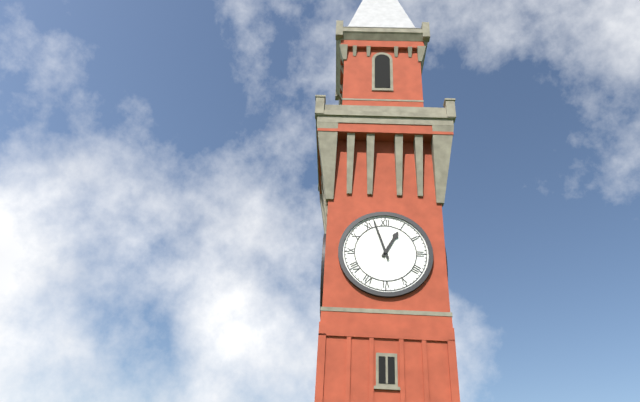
12:57
